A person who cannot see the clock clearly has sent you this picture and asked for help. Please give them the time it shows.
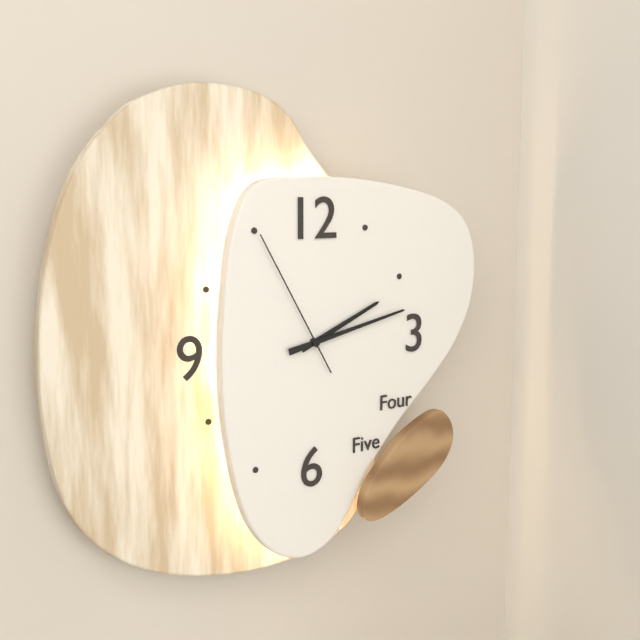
2:13:55
